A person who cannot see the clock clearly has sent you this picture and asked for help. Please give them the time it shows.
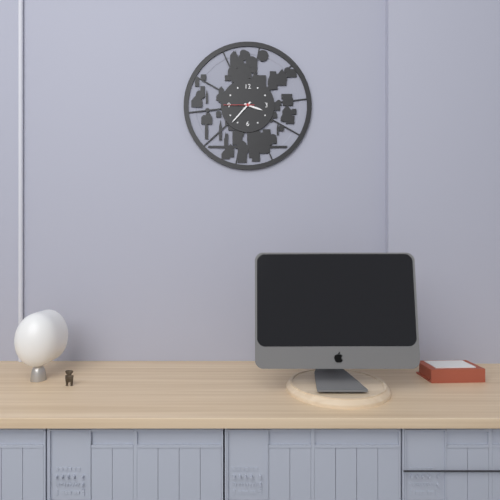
3:37
